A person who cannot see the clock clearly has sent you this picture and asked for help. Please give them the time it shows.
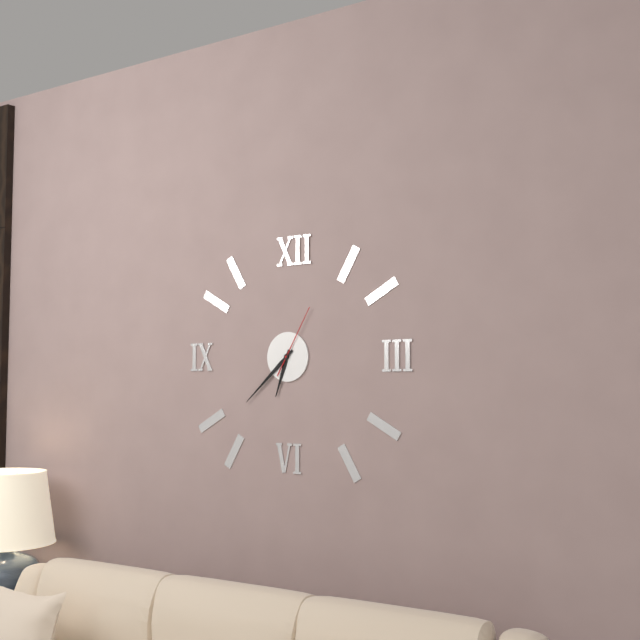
6:38:05
